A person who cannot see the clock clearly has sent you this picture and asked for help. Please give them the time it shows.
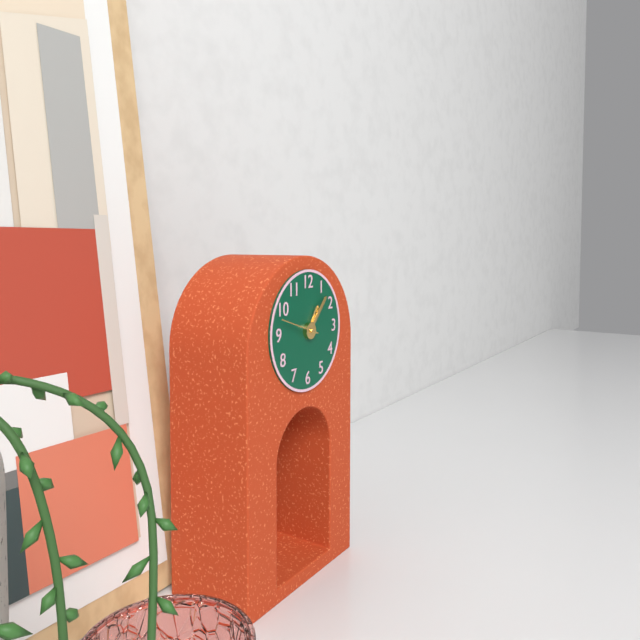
1:07
